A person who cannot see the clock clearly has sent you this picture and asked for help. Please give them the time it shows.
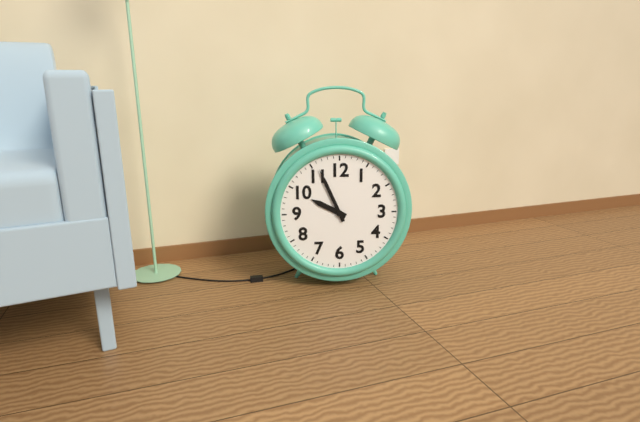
9:56
